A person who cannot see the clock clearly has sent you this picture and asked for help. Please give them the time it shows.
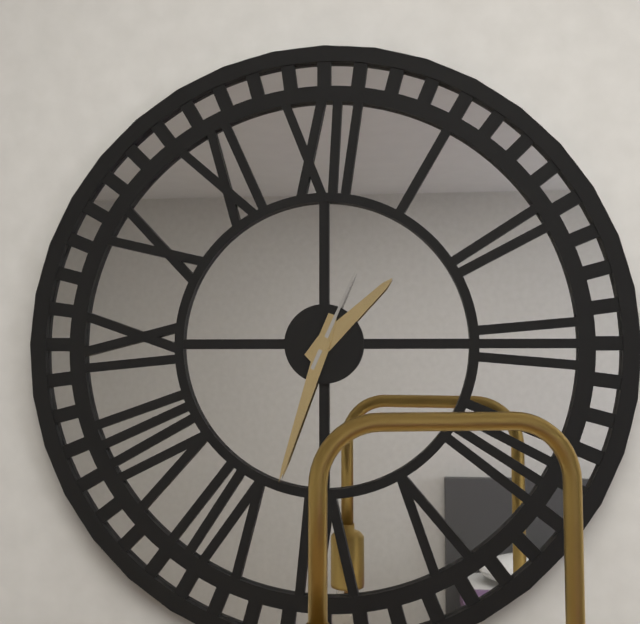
1:33:04
